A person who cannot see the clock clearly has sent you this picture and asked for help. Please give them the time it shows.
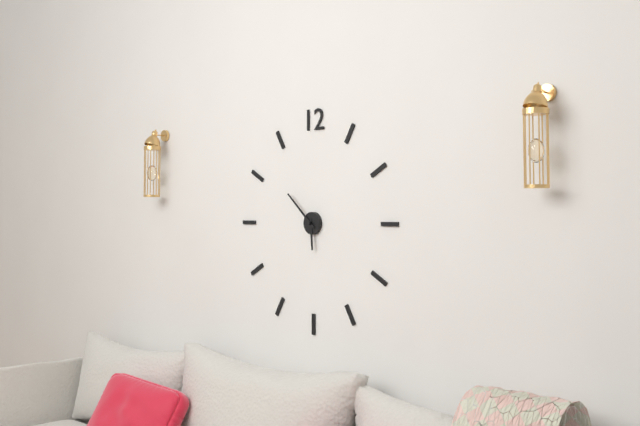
5:52
